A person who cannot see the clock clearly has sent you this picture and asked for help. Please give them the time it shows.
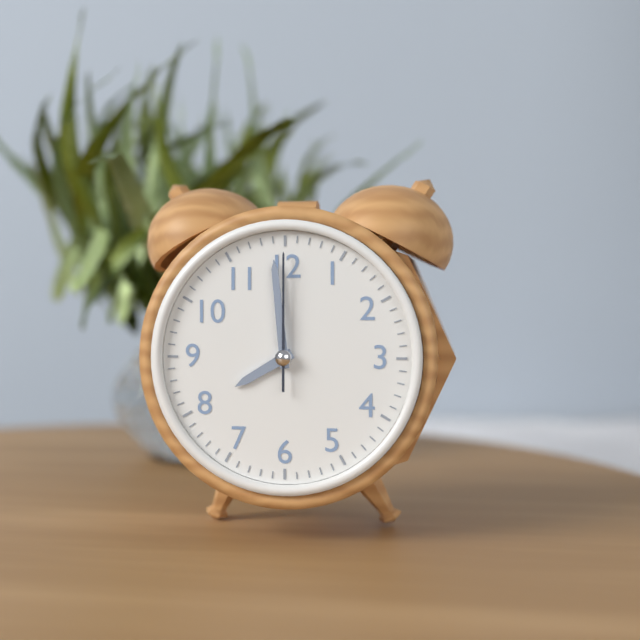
7:59:00
